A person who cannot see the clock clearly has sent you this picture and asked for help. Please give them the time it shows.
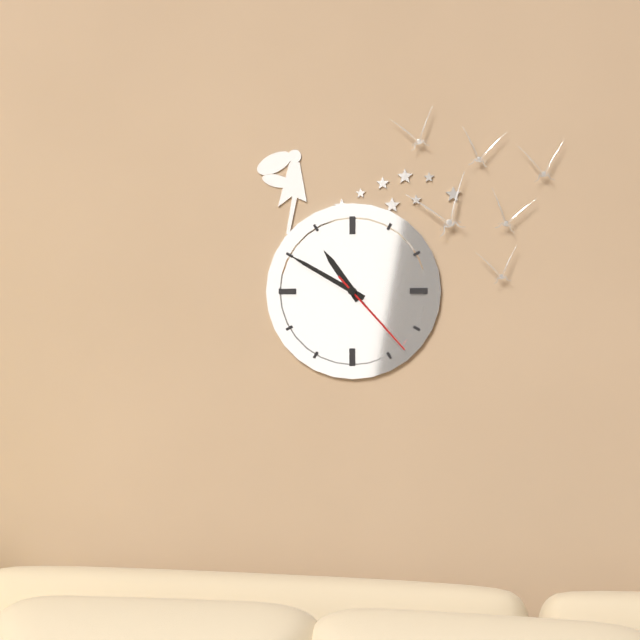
10:50:23
